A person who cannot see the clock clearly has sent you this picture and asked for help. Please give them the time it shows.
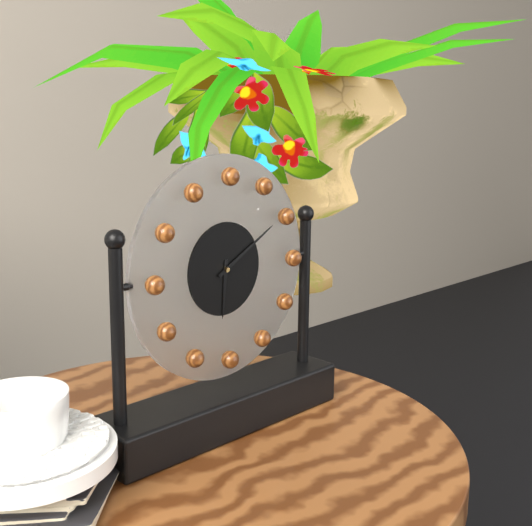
6:10
